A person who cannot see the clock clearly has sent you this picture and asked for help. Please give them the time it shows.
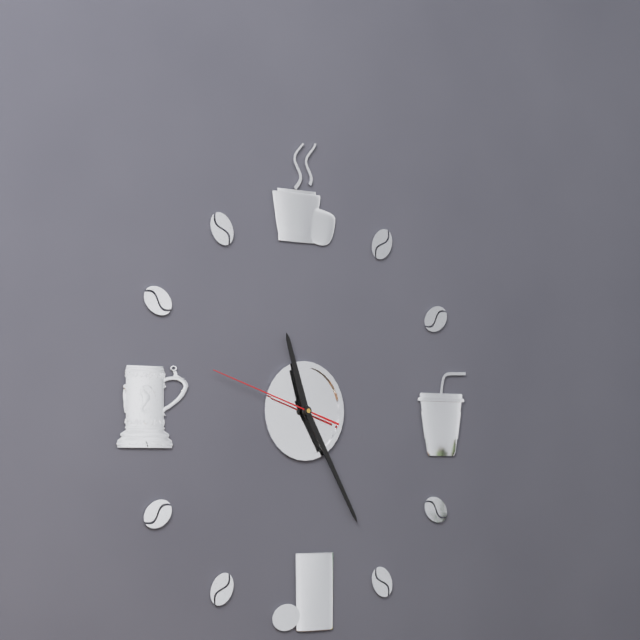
11:25:48
